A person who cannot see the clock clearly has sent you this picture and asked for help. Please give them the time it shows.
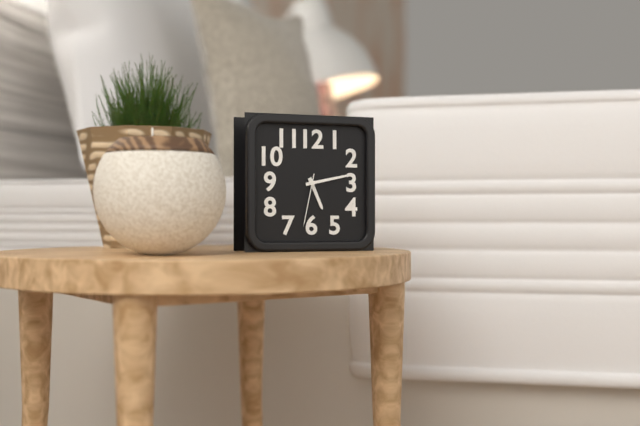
5:13:32
